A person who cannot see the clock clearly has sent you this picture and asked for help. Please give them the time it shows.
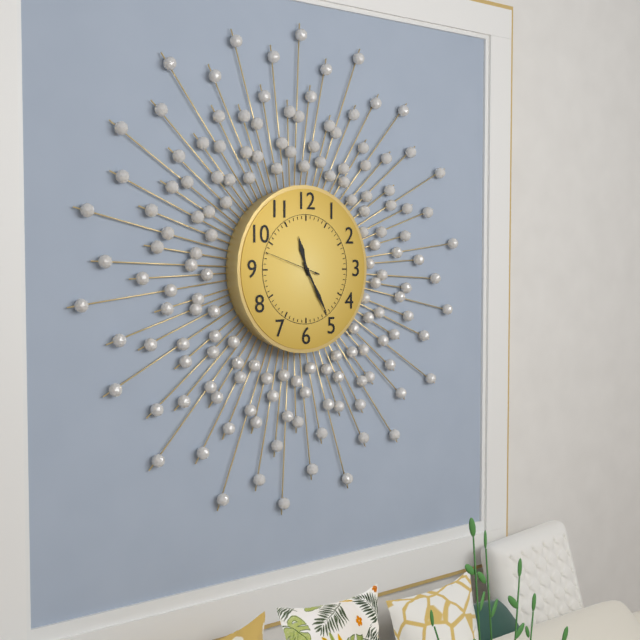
11:25:48
